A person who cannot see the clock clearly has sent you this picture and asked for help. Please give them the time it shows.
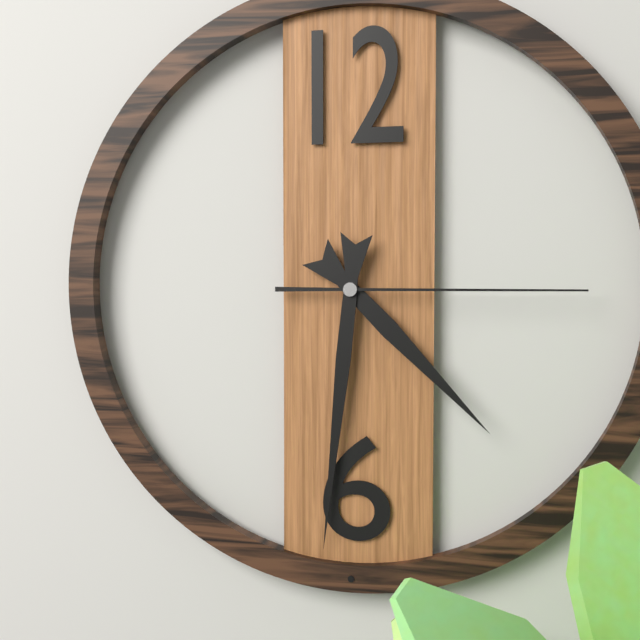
4:31:15
